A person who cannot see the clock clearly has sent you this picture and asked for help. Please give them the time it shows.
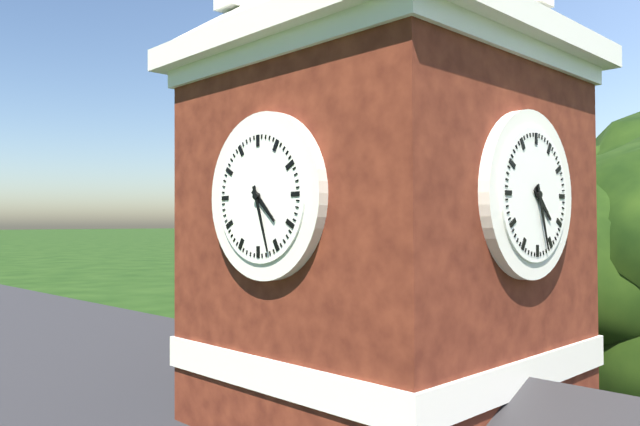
4:27
